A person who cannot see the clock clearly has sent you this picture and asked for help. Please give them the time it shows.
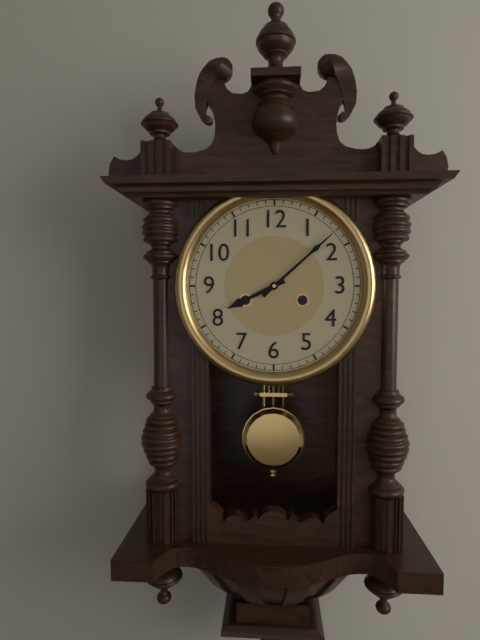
8:08
